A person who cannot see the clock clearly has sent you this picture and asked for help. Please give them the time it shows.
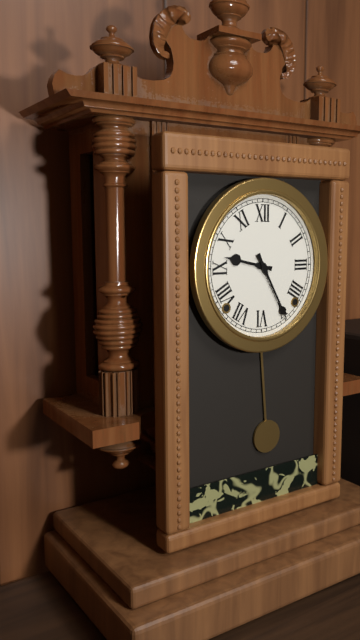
9:25
